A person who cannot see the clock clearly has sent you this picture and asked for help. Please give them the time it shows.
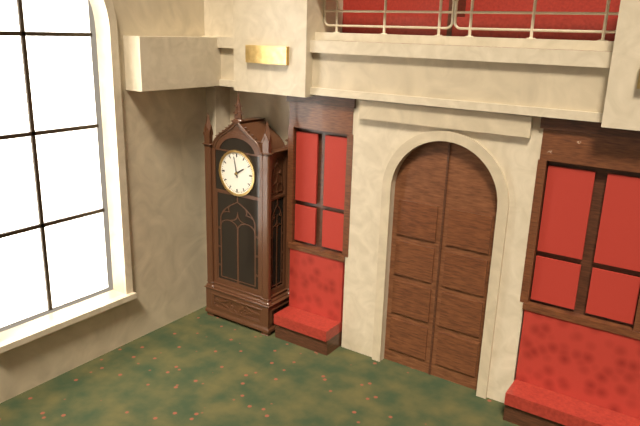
1:58
